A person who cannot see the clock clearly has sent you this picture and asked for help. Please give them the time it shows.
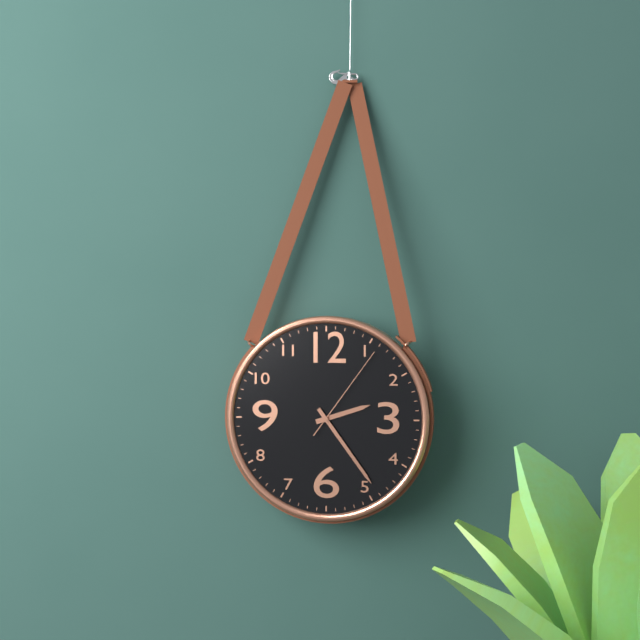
2:24:06
